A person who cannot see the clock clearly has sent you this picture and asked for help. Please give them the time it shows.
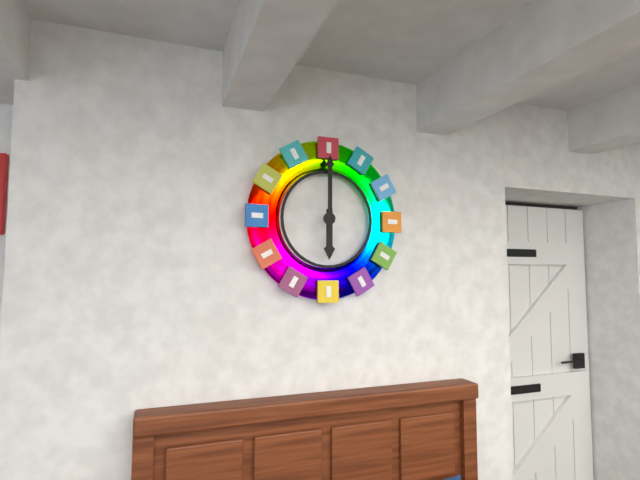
6:00
